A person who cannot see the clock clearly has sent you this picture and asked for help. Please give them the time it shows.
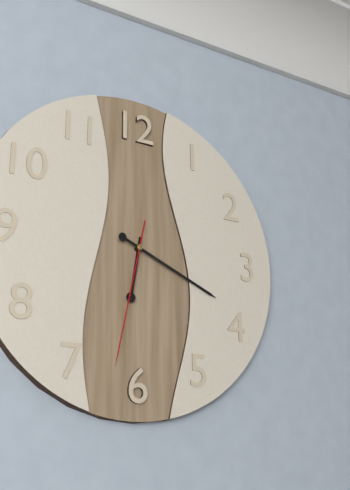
6:19:32
